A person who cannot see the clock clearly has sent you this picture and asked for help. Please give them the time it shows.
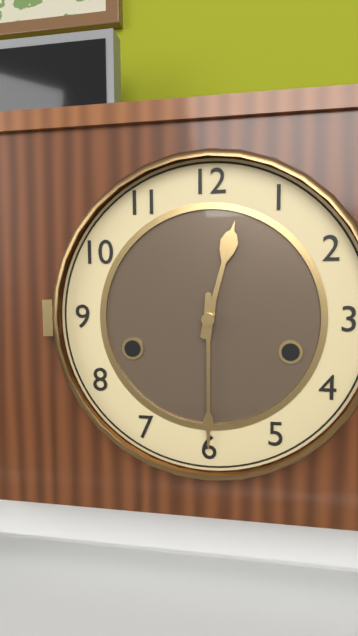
12:30
